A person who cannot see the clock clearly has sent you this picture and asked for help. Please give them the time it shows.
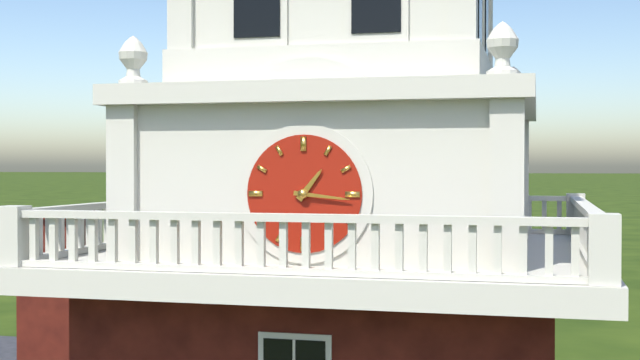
1:16
